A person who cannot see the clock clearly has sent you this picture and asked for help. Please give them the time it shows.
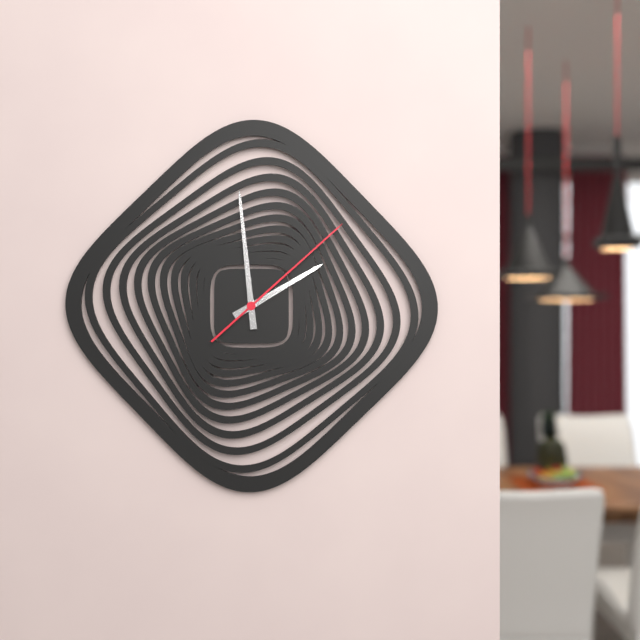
1:59:08
